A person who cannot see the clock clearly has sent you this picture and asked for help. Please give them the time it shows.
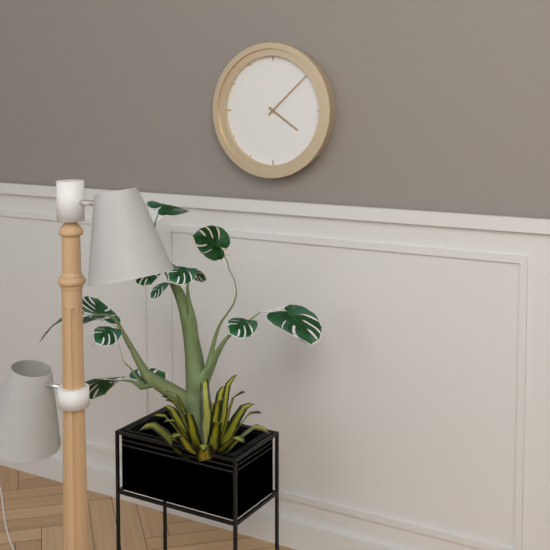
4:08
